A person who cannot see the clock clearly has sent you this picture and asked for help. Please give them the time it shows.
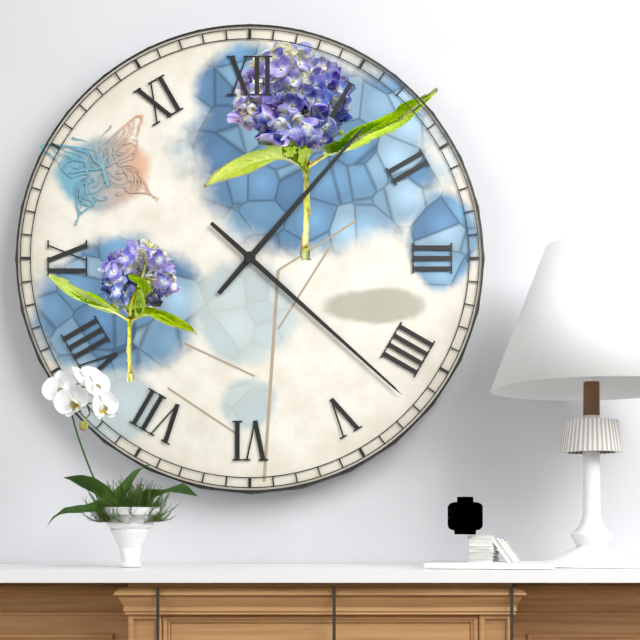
1:22
